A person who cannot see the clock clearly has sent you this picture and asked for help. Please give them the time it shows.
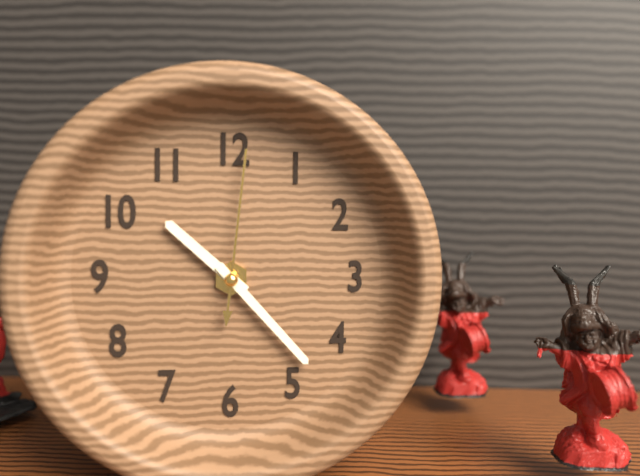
10:23:01
